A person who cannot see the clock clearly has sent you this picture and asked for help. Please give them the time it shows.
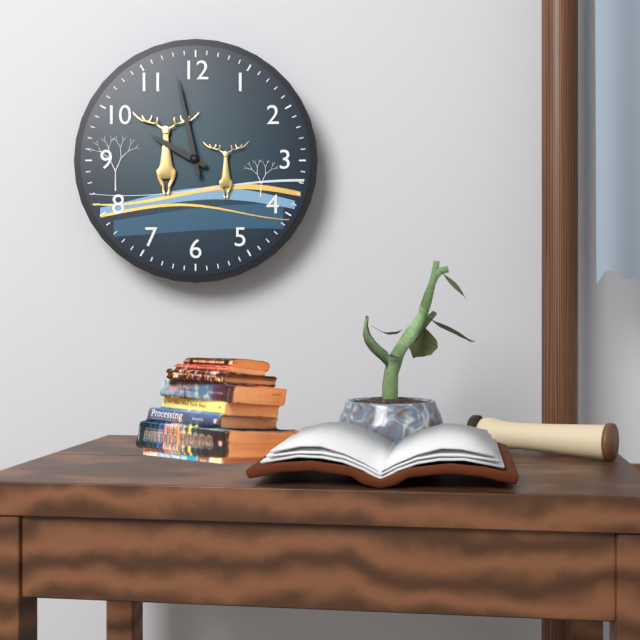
9:58
